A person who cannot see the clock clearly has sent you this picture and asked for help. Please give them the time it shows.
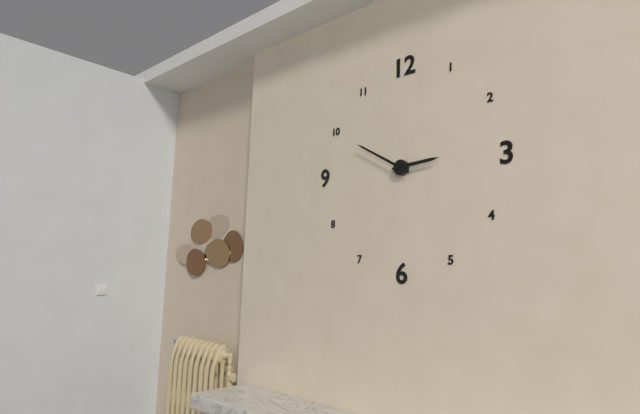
2:50
